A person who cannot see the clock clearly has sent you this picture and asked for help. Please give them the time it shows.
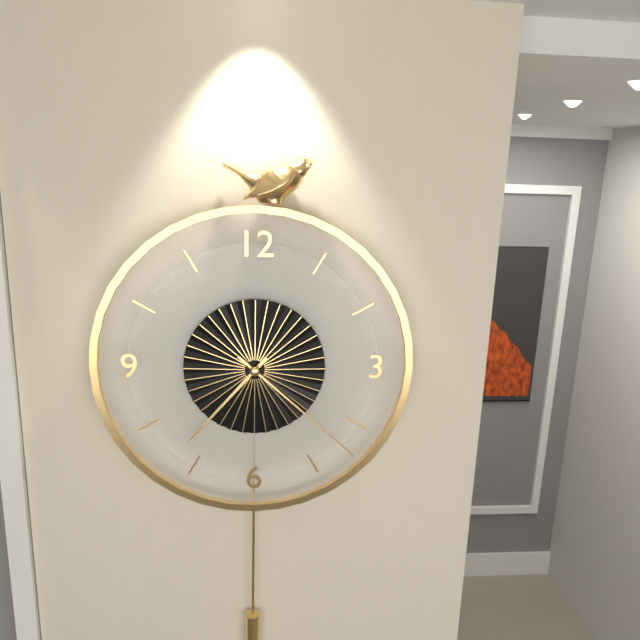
7:22
